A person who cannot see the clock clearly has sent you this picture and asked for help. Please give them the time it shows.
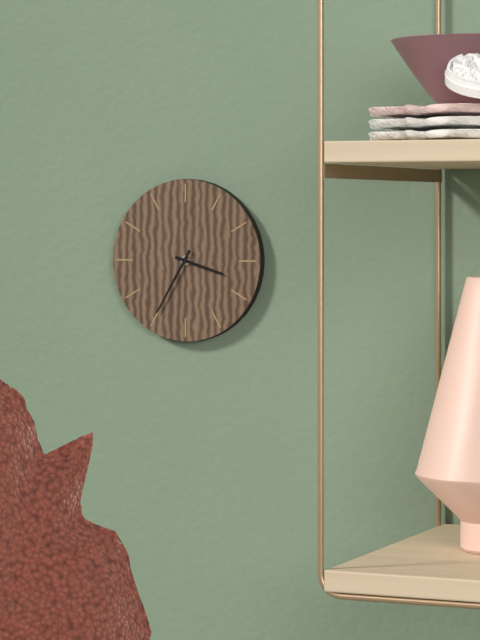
3:35
